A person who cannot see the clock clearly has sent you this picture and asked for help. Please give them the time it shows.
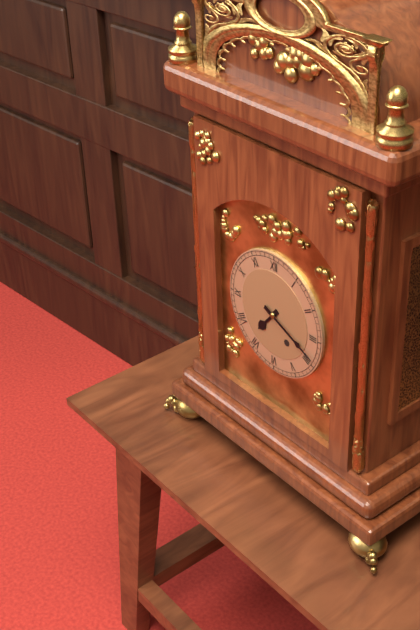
7:19
